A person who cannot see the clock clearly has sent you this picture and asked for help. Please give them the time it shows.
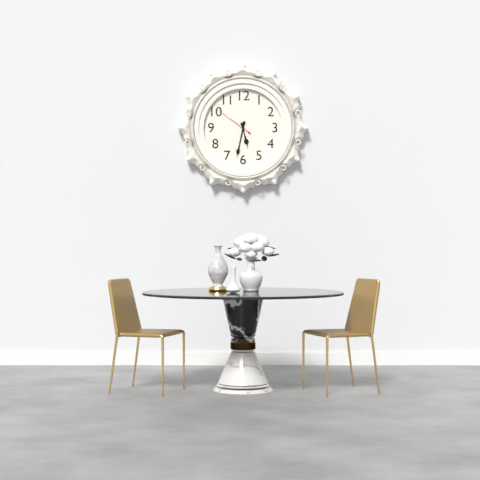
5:32
